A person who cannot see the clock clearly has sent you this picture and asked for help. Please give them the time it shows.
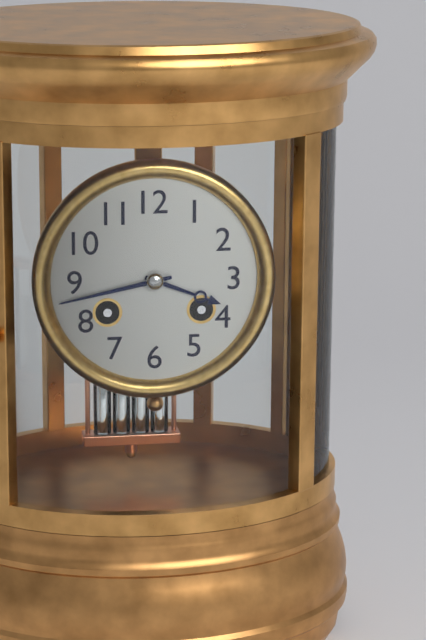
3:43
